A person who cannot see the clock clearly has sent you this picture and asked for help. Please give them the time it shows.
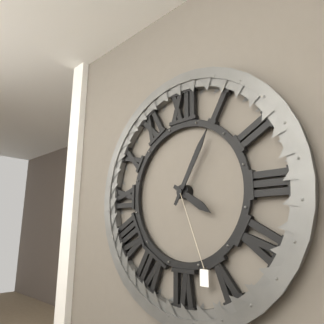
4:05
